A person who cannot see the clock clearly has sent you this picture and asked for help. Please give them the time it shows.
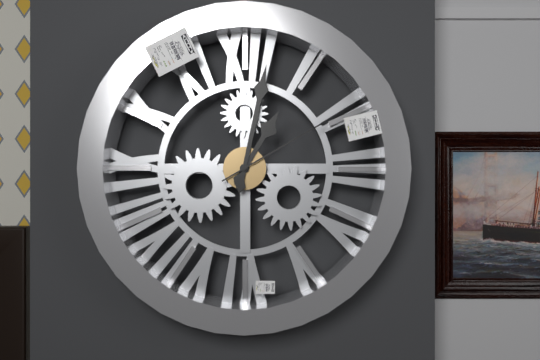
1:02:10
